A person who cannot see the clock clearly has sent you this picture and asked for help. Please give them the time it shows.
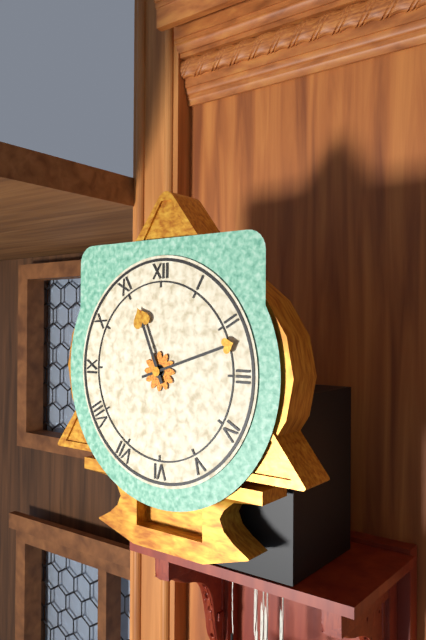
11:12
